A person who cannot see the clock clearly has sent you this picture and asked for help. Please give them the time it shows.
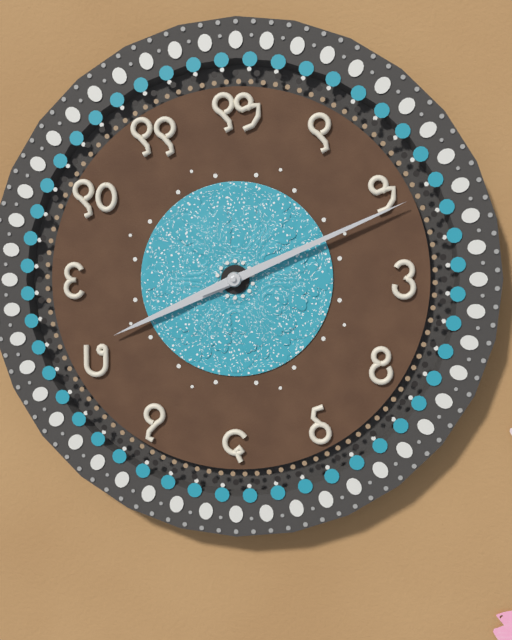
8:11
